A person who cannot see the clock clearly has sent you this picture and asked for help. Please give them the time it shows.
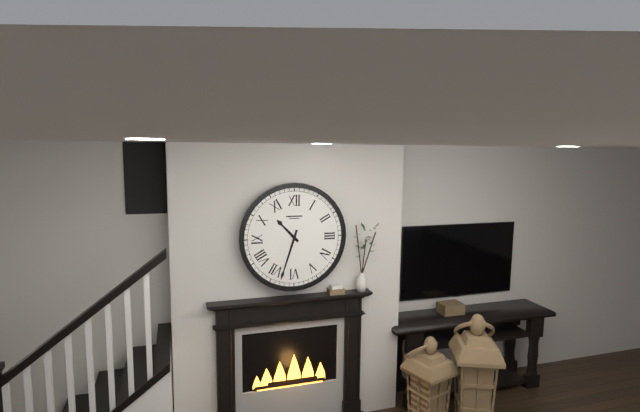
10:33
